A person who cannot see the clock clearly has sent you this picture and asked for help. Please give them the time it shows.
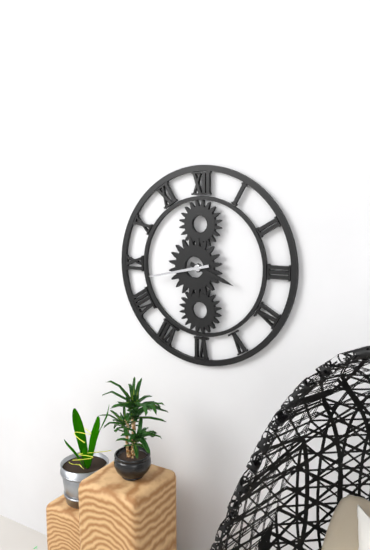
3:43
